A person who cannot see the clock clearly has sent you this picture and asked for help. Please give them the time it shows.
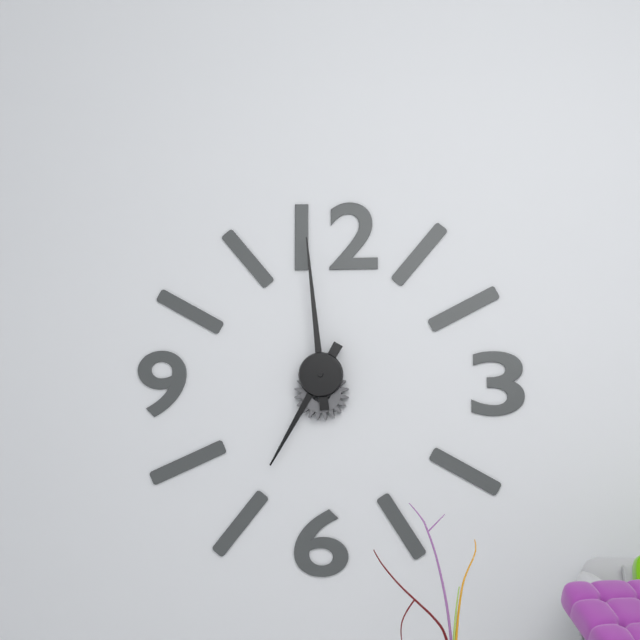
6:59
